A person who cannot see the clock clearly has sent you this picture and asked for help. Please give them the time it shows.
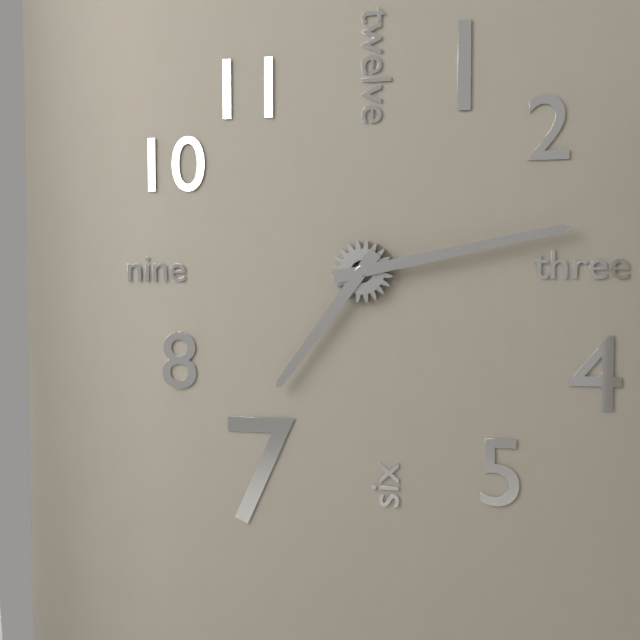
7:13
